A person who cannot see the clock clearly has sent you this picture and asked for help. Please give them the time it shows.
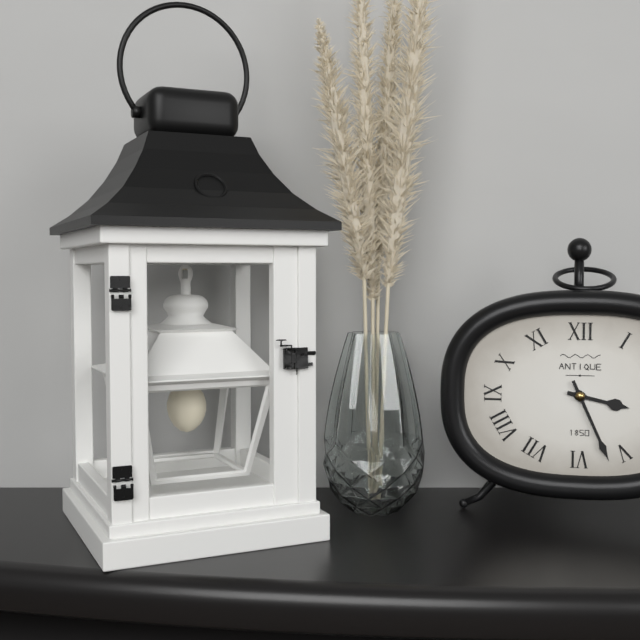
3:26
